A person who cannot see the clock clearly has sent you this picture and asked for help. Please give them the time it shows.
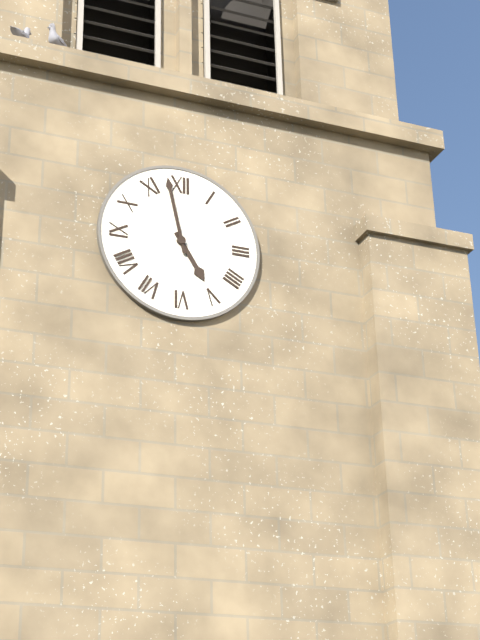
4:58
